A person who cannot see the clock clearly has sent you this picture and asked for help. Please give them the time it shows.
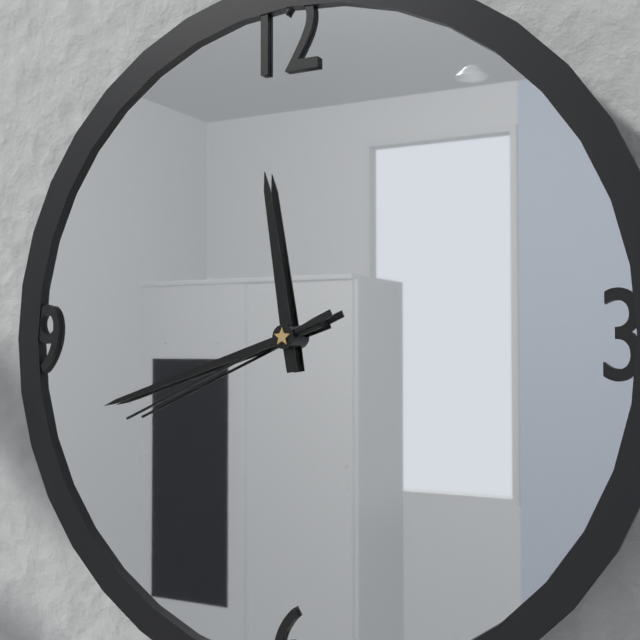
11:42:41
